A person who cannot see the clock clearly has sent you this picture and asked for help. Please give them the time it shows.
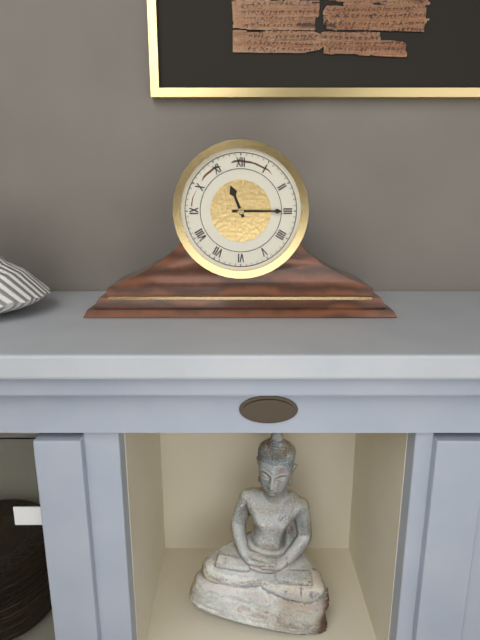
11:15
